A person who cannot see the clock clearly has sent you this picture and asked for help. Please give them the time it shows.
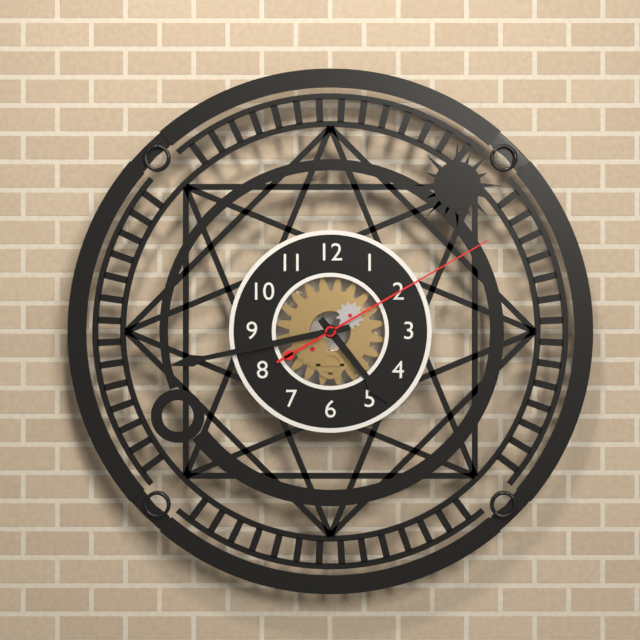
4:43:10
